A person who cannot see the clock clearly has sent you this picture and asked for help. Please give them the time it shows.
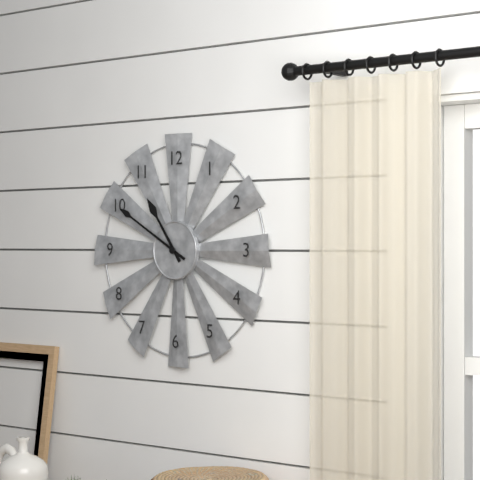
10:50
